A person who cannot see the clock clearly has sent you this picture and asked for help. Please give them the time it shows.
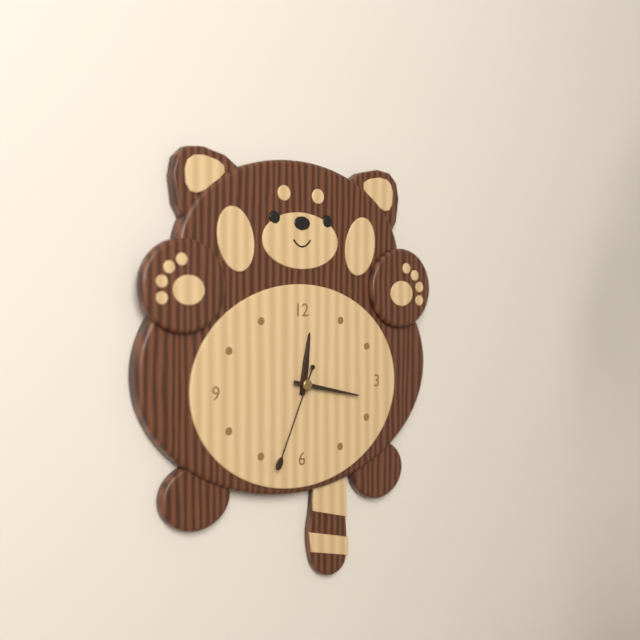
12:17:34
